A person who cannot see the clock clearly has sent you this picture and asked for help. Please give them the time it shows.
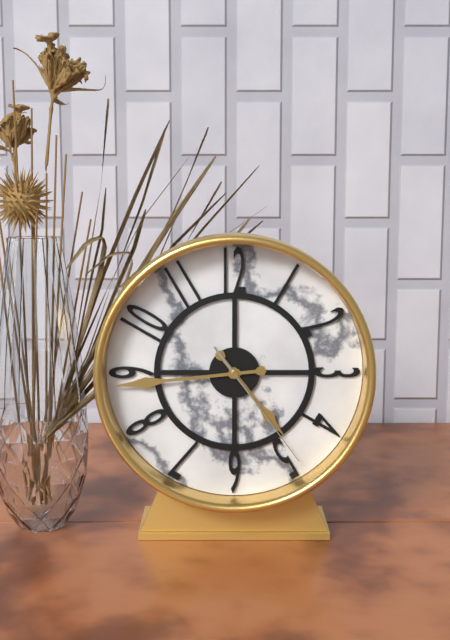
4:44:24
